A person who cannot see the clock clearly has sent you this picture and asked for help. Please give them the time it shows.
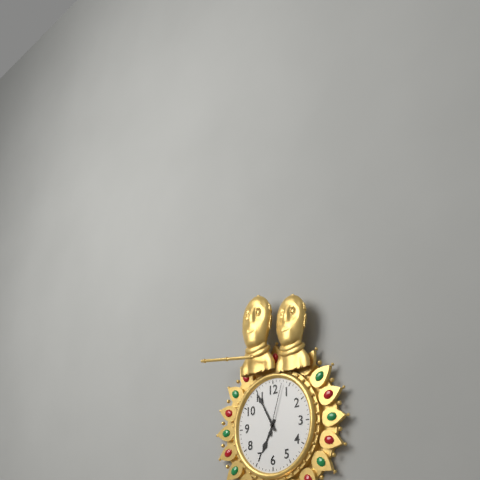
6:55:03
